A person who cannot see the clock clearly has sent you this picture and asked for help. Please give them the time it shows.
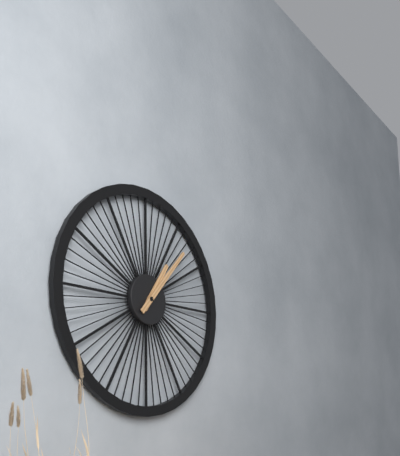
1:07
